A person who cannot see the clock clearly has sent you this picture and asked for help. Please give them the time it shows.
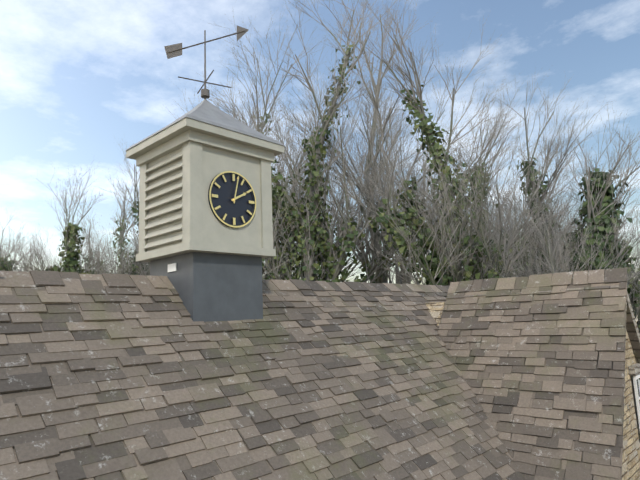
2:02
